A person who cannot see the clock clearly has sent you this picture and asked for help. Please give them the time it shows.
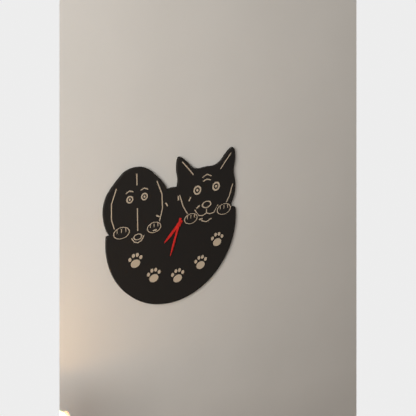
7:33
